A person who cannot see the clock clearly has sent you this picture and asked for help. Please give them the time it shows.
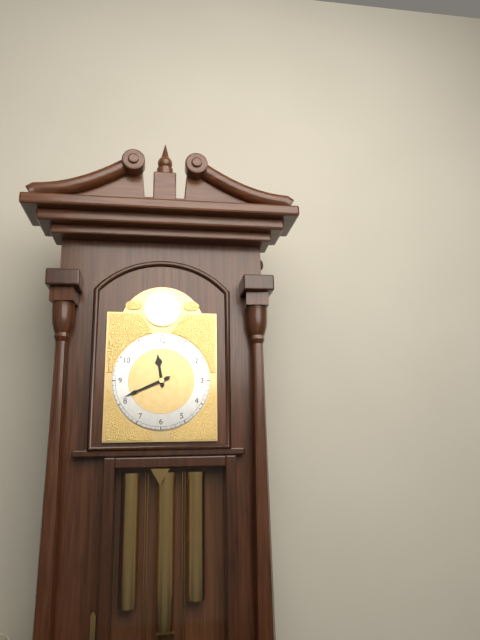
11:41
